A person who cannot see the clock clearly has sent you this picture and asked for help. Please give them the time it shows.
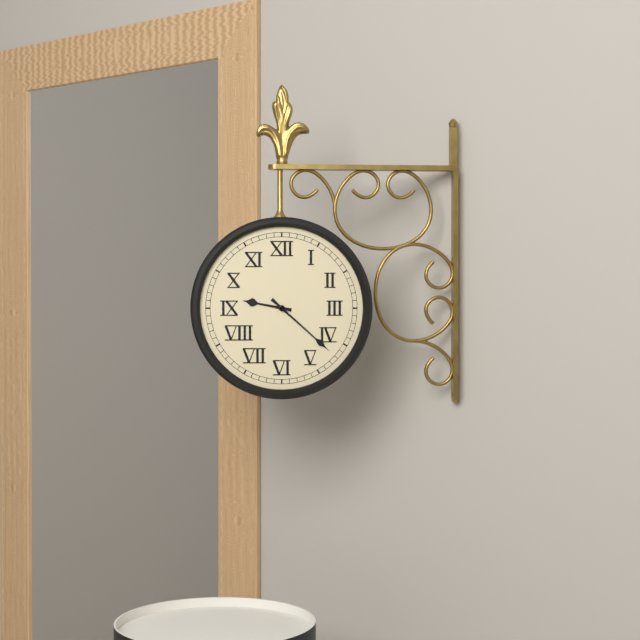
9:22
